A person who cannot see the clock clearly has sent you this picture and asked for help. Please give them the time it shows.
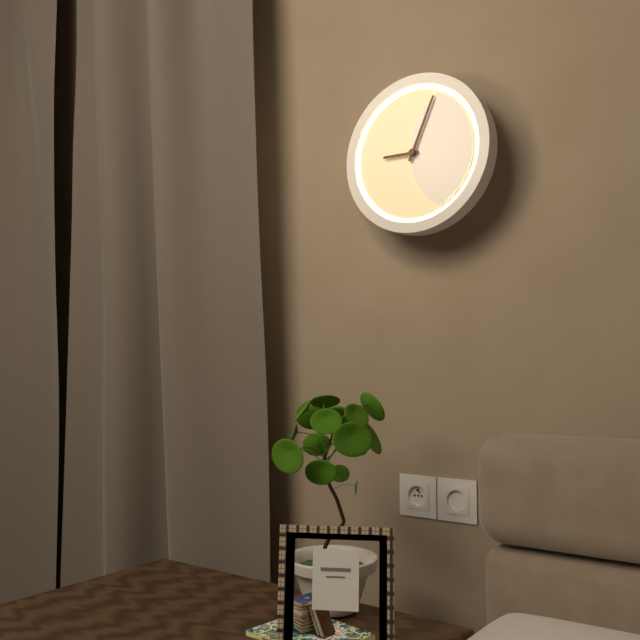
9:04
